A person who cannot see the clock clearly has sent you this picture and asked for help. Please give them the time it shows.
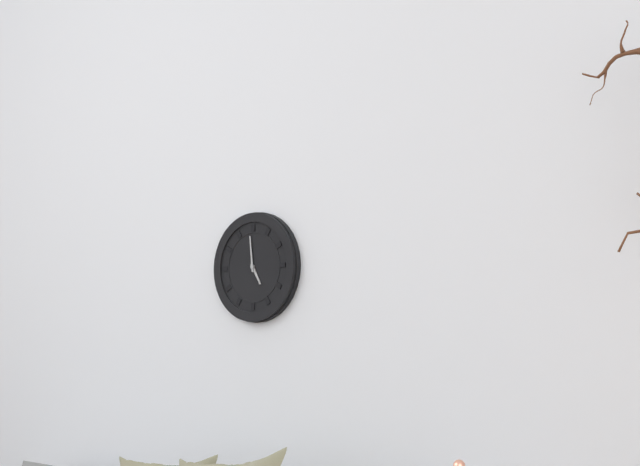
4:59
